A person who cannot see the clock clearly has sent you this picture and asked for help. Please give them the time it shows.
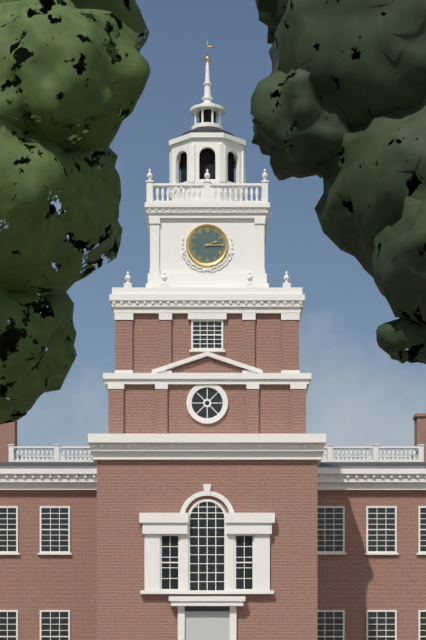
2:15
